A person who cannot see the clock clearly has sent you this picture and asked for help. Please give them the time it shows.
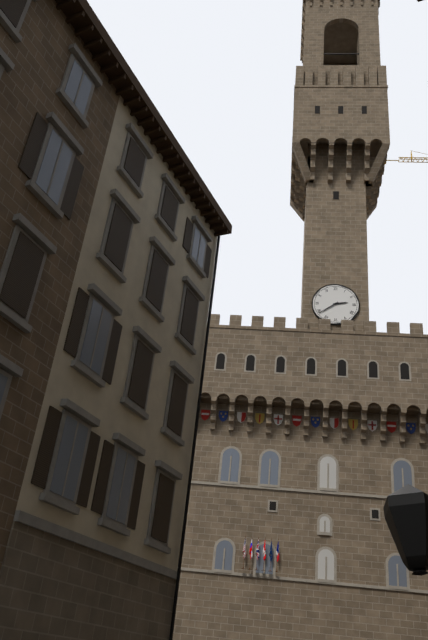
2:39
